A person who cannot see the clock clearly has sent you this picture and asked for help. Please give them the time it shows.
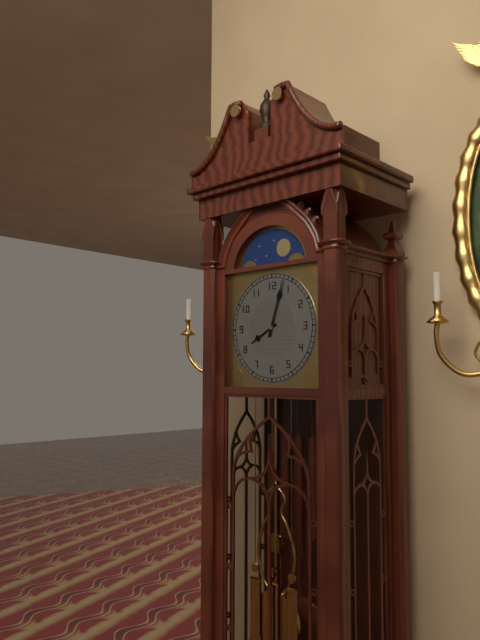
8:03
